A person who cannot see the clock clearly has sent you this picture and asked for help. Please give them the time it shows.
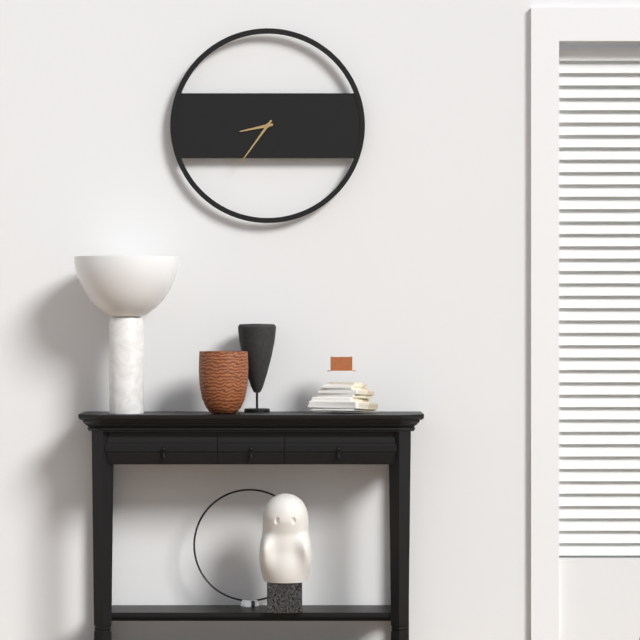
8:36
